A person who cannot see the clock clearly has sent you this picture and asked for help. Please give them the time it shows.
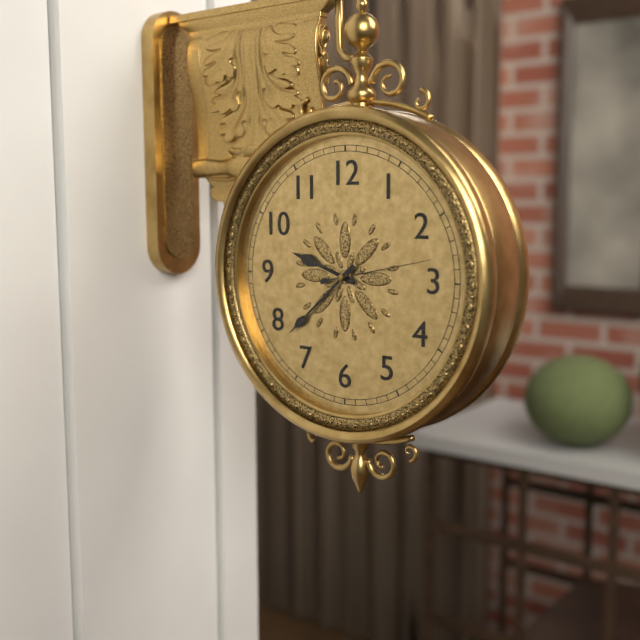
9:38:13
